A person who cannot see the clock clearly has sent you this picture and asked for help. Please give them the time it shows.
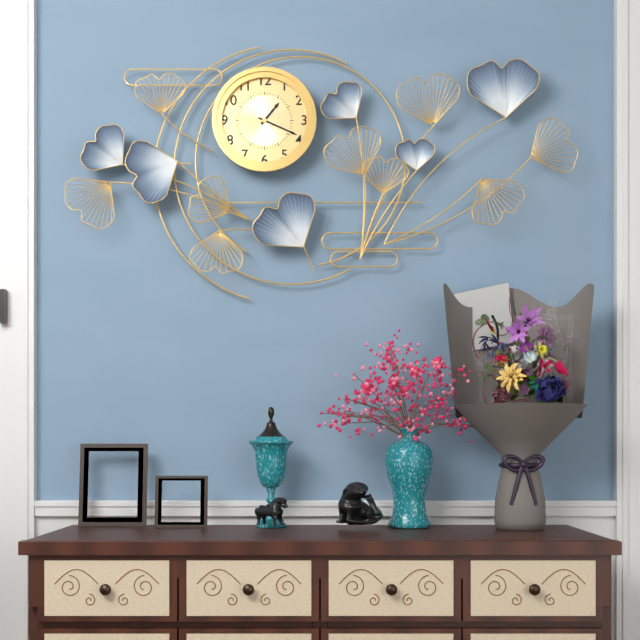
1:19
